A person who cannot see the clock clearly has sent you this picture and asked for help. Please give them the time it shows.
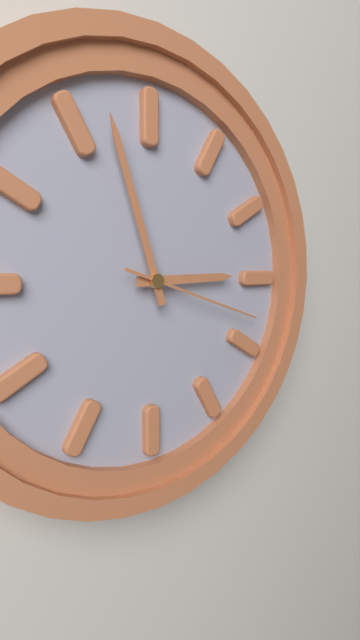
2:57:18
